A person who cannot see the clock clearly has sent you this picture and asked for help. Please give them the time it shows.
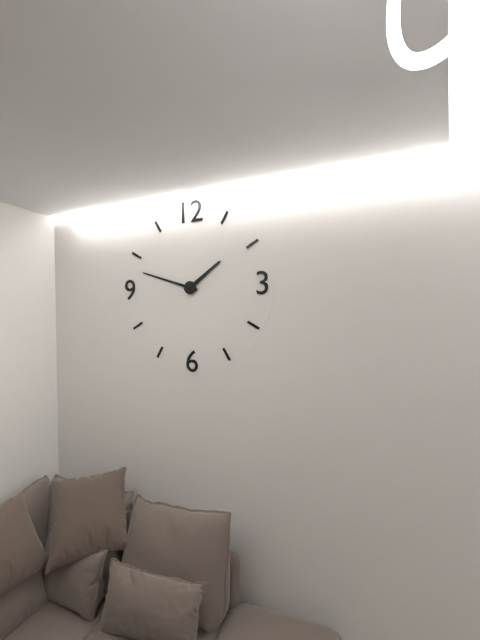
1:48
